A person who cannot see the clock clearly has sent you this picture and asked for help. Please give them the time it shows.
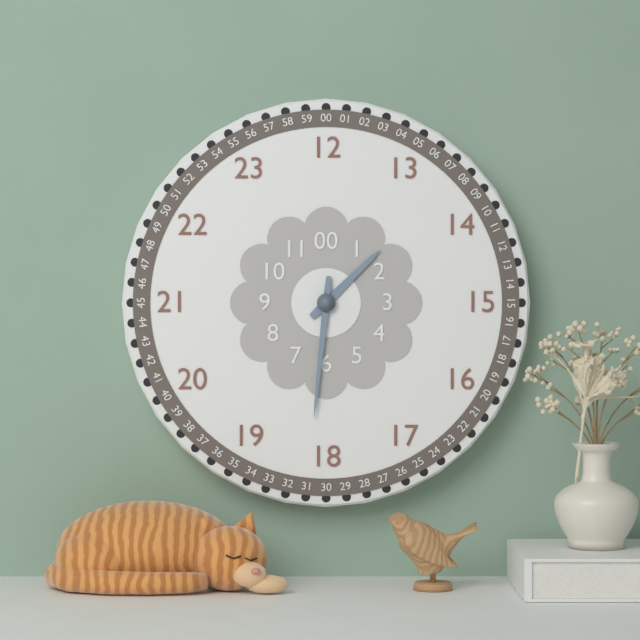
1:31
